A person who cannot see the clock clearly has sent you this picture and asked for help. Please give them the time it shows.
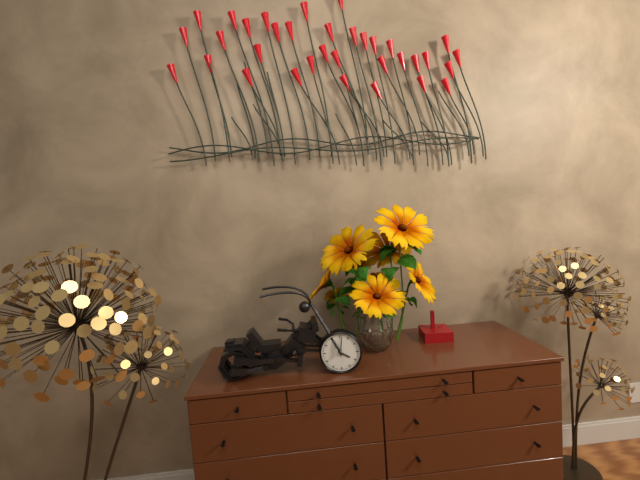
4:01
